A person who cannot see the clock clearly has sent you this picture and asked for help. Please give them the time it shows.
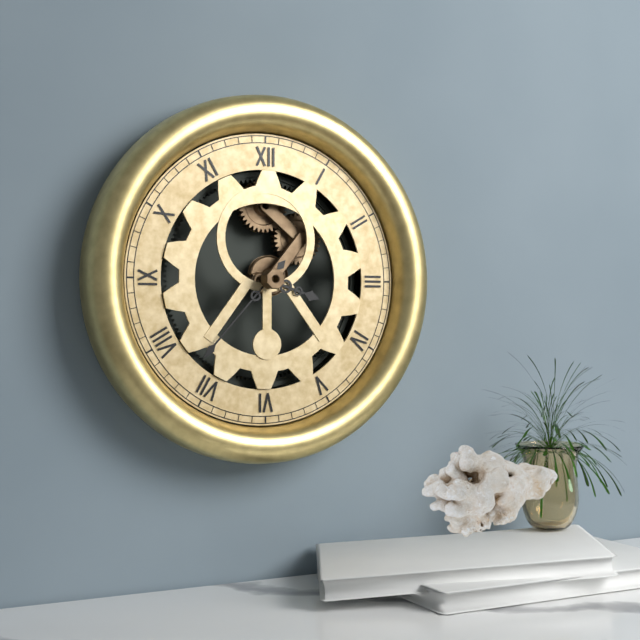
3:37
